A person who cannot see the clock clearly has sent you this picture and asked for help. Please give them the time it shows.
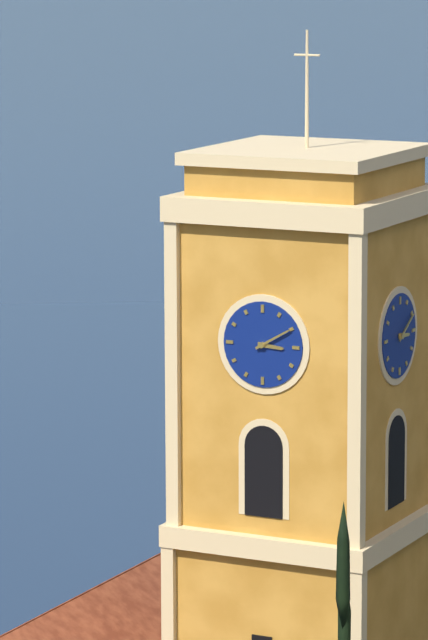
3:10
